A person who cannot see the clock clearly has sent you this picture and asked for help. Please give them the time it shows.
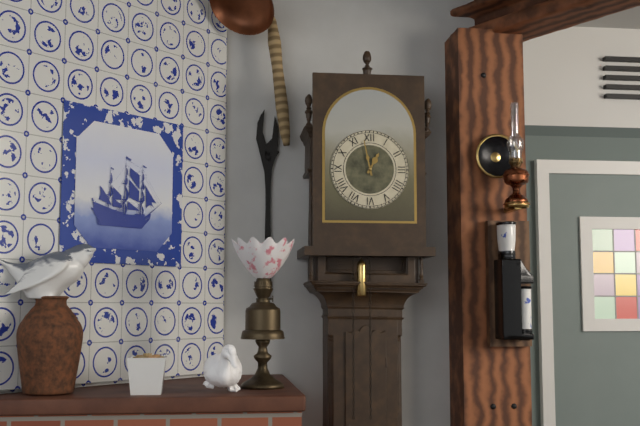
12:58
